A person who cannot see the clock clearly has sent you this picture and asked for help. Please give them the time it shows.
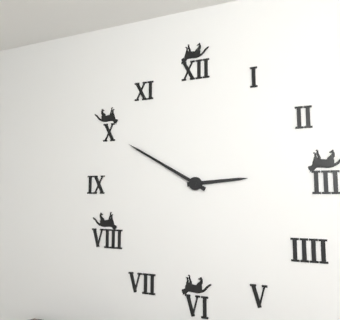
2:50
